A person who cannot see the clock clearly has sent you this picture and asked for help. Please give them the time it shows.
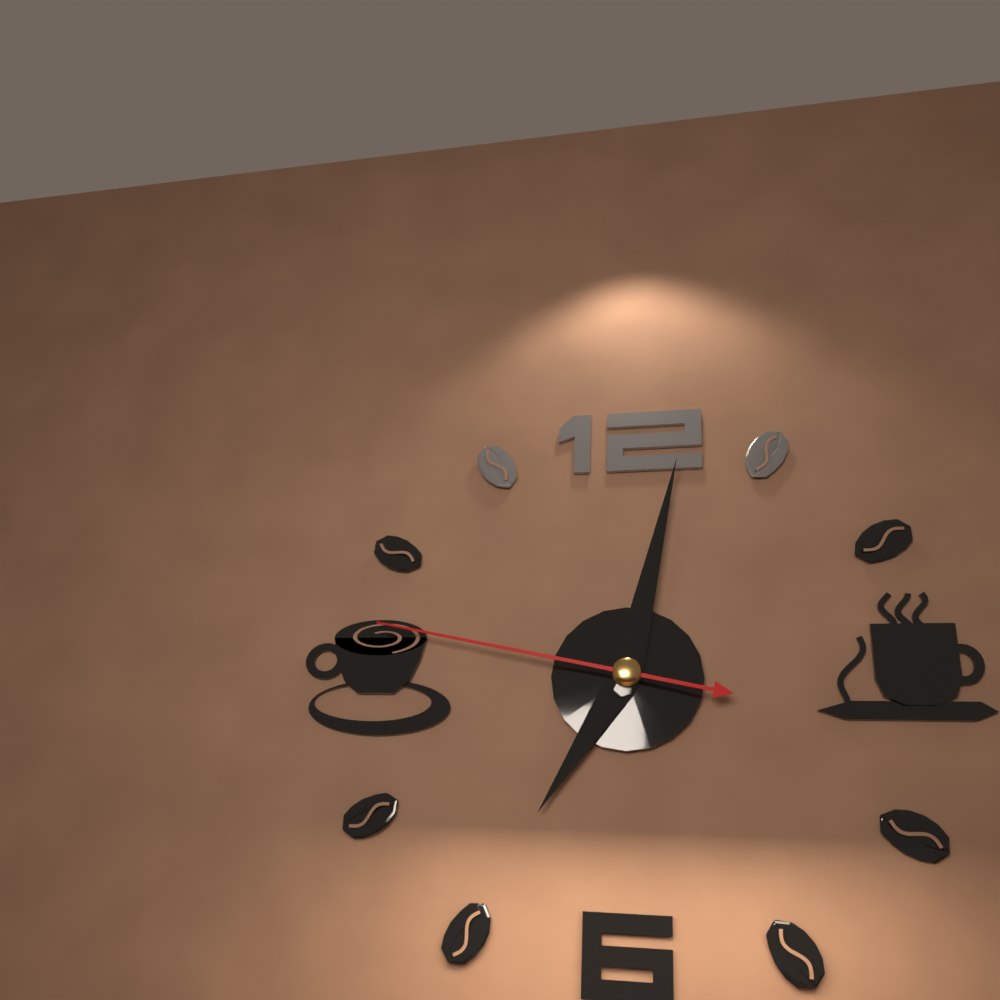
7:02:47
